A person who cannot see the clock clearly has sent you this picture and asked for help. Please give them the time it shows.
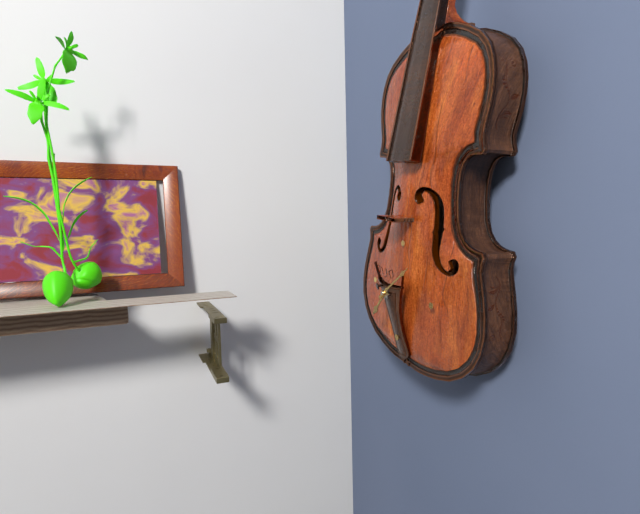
7:08
